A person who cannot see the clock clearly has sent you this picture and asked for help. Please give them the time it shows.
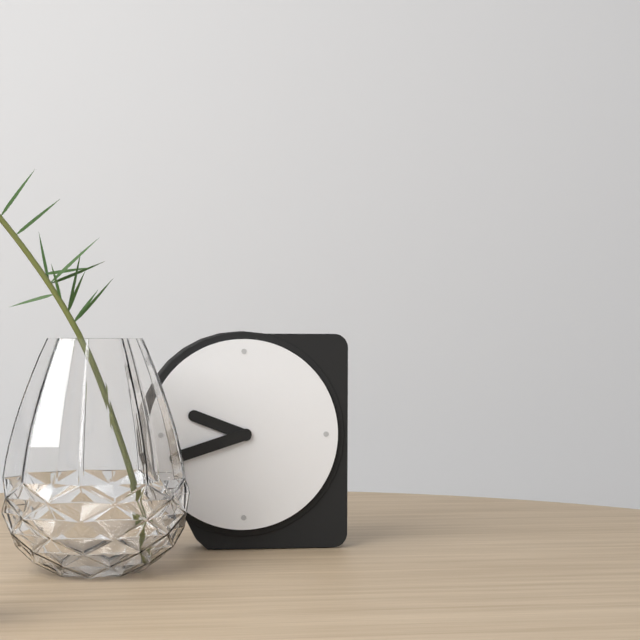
9:42
